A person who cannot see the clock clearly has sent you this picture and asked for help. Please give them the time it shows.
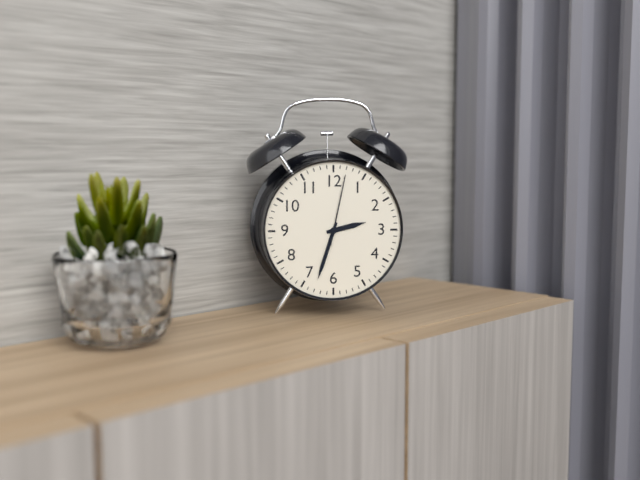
2:33:02
